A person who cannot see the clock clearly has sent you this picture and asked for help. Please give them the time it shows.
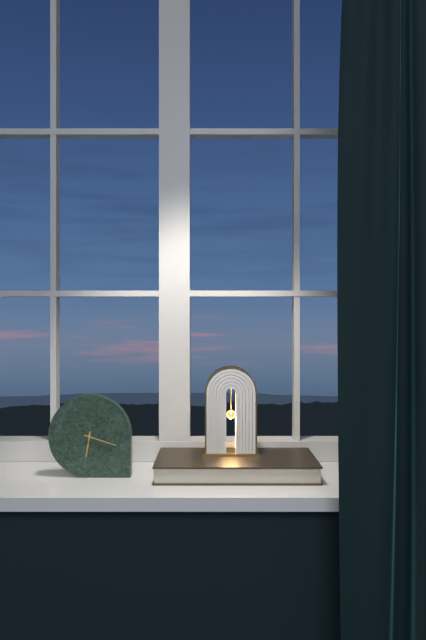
6:18
